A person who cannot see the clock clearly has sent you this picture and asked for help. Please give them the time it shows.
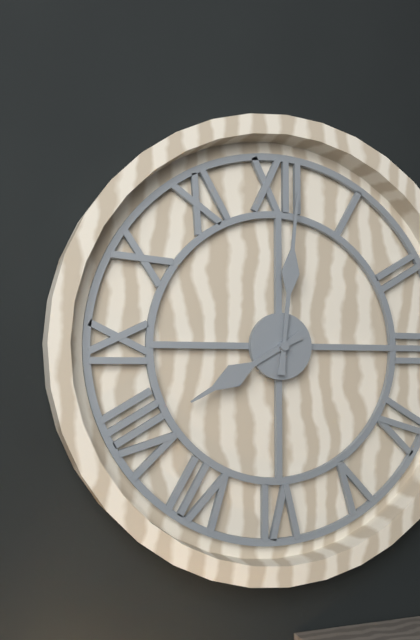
8:01
